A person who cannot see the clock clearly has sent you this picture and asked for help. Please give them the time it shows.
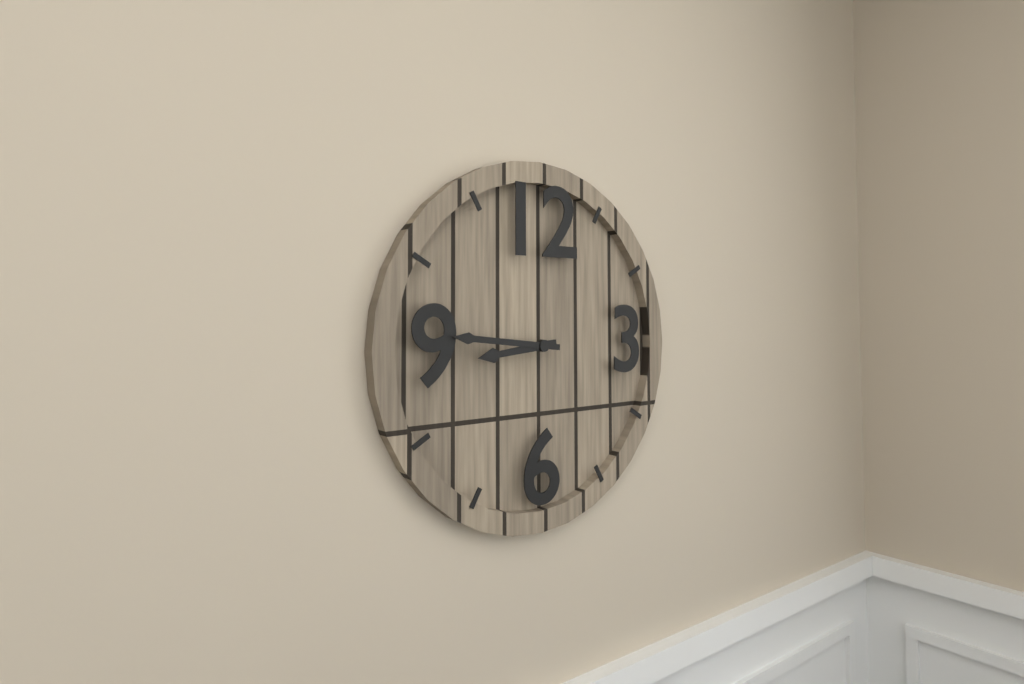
8:46
